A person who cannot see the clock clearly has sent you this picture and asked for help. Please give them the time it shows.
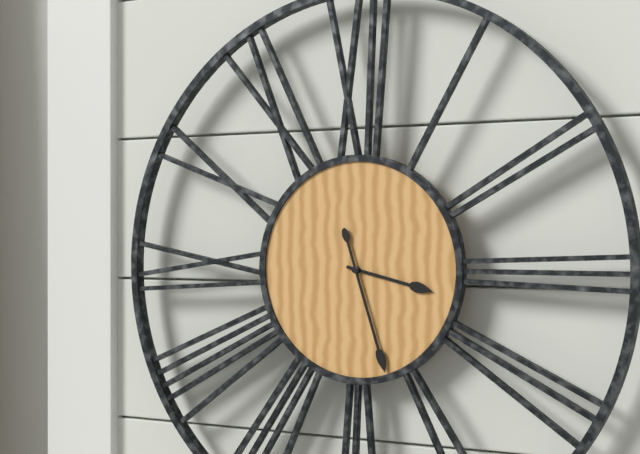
3:27
